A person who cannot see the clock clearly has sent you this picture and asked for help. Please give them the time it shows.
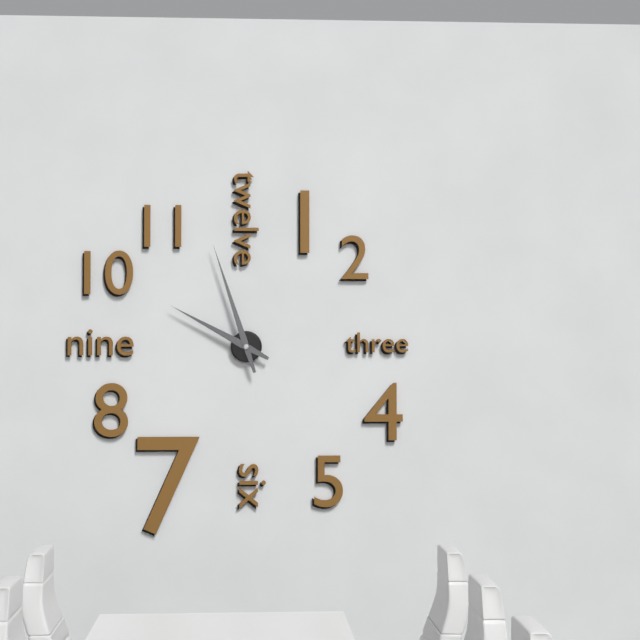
9:57
